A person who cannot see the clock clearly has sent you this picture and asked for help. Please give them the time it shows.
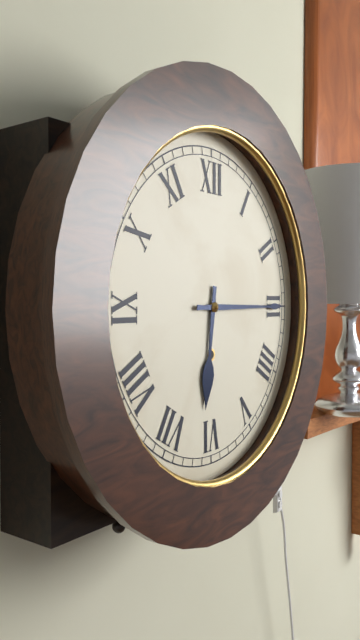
6:15
